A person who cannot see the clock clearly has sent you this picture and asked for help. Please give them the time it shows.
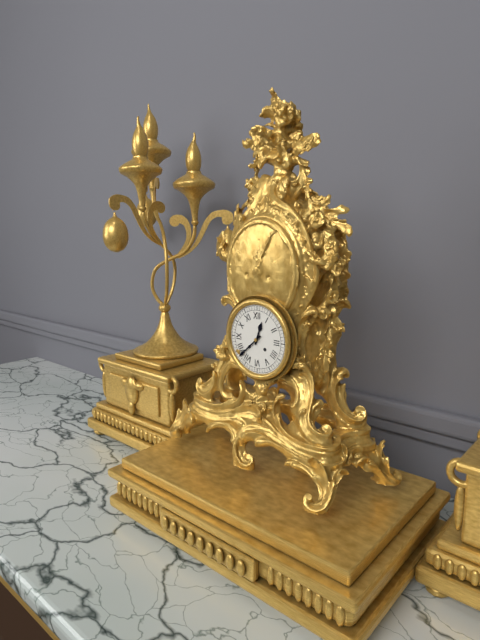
12:38
